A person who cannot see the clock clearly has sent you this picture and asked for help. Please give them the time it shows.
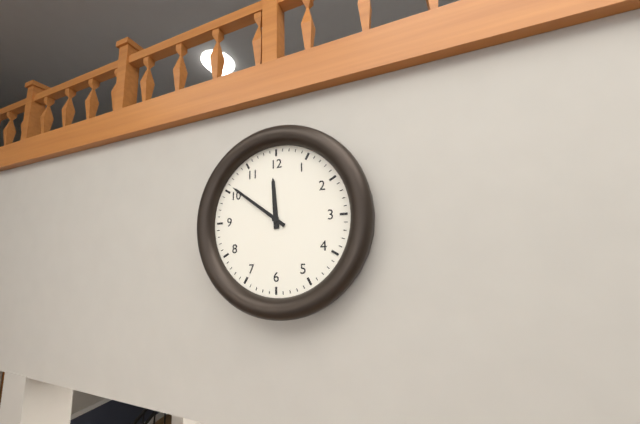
11:51
